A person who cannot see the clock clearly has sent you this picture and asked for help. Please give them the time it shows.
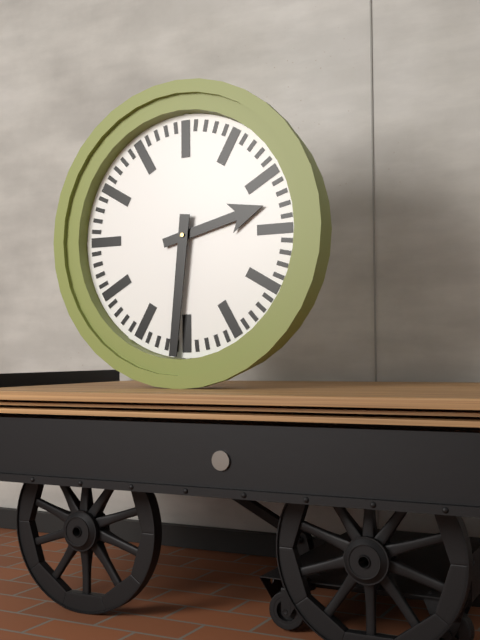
2:31
